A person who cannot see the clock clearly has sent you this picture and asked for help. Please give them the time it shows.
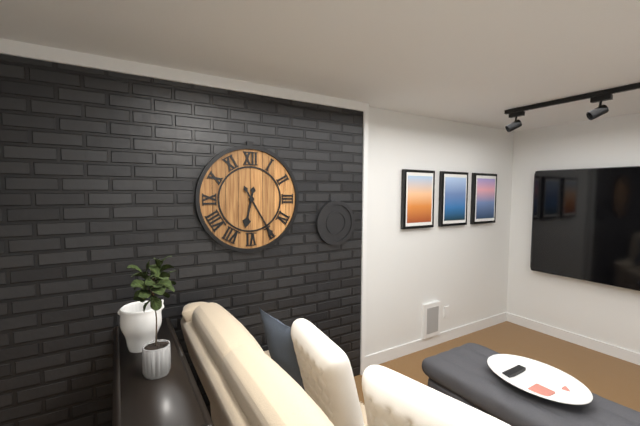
6:25
